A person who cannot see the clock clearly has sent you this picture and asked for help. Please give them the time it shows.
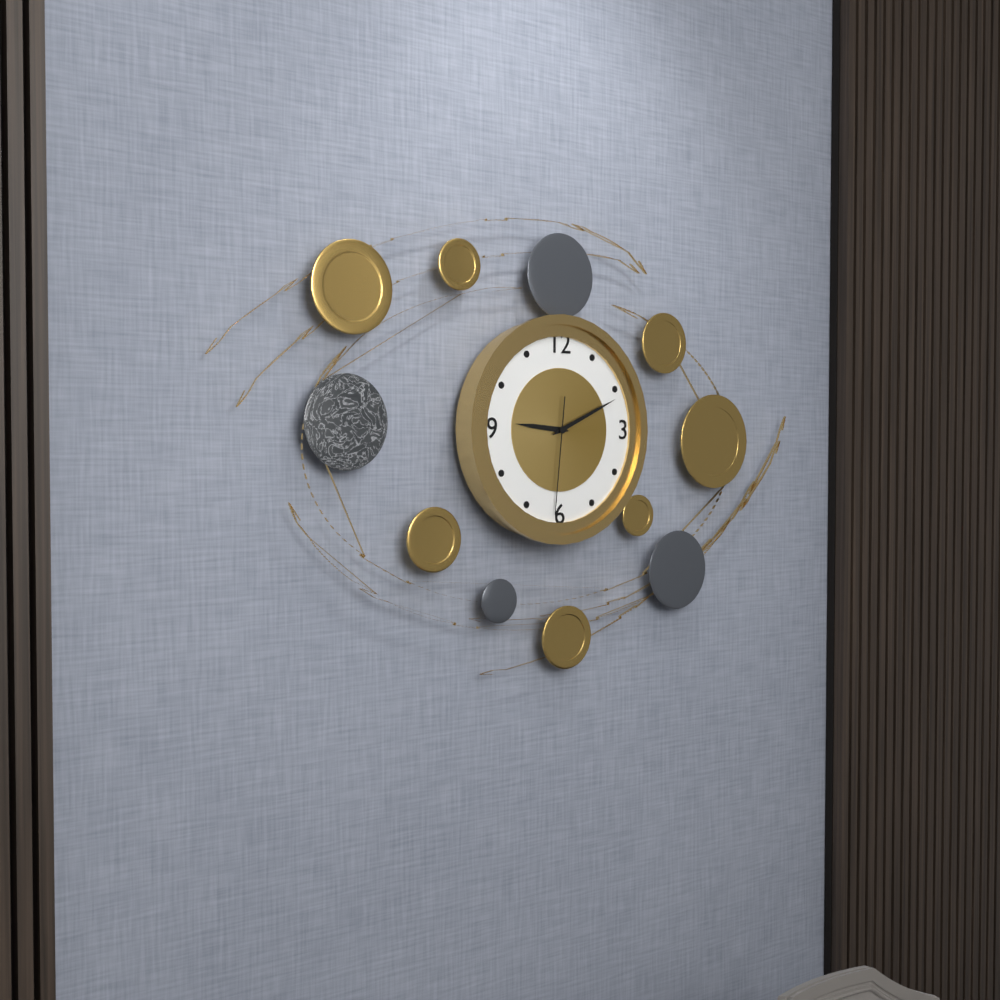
9:11:31
